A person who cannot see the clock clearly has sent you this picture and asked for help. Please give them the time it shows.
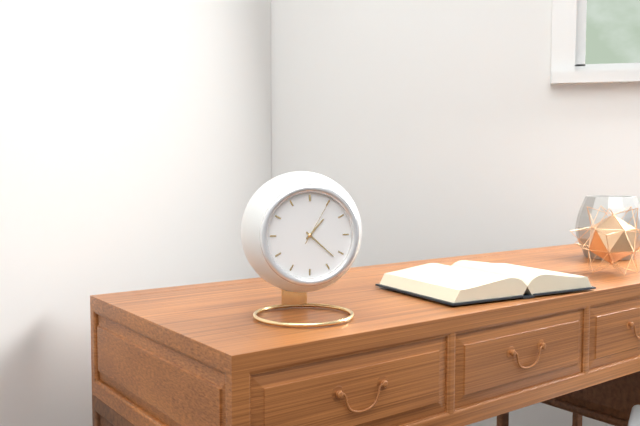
1:22:05
